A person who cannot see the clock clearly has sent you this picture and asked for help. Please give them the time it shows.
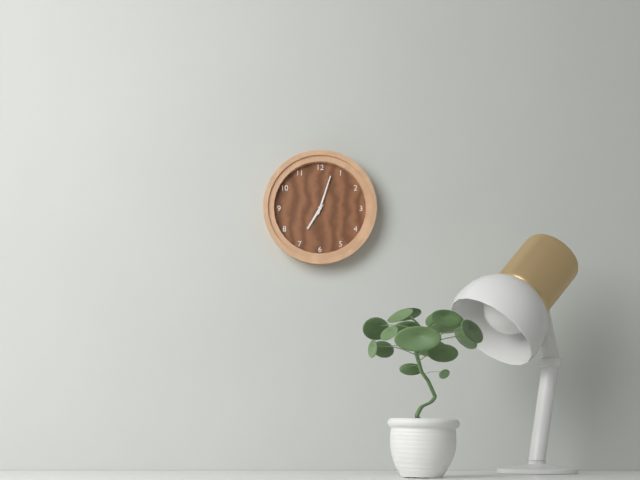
7:03
